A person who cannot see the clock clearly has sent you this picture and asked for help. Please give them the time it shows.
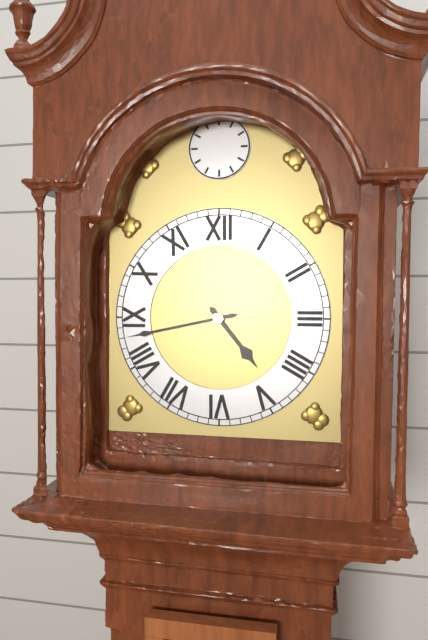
4:43
